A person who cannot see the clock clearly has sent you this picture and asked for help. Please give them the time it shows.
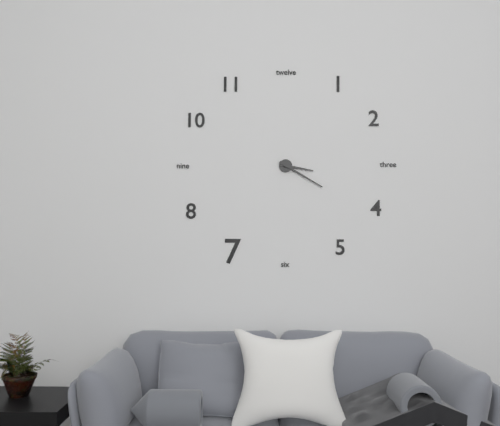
3:20
